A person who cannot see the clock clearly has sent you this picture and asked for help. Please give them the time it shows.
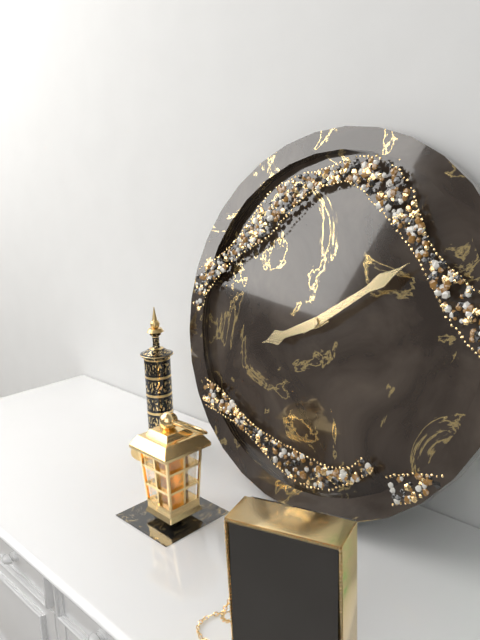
8:09
